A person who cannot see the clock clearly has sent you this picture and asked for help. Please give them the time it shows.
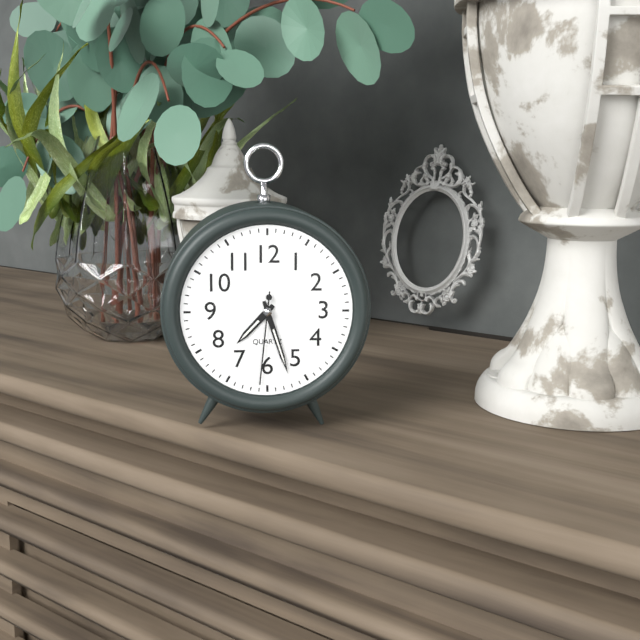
7:27:31
